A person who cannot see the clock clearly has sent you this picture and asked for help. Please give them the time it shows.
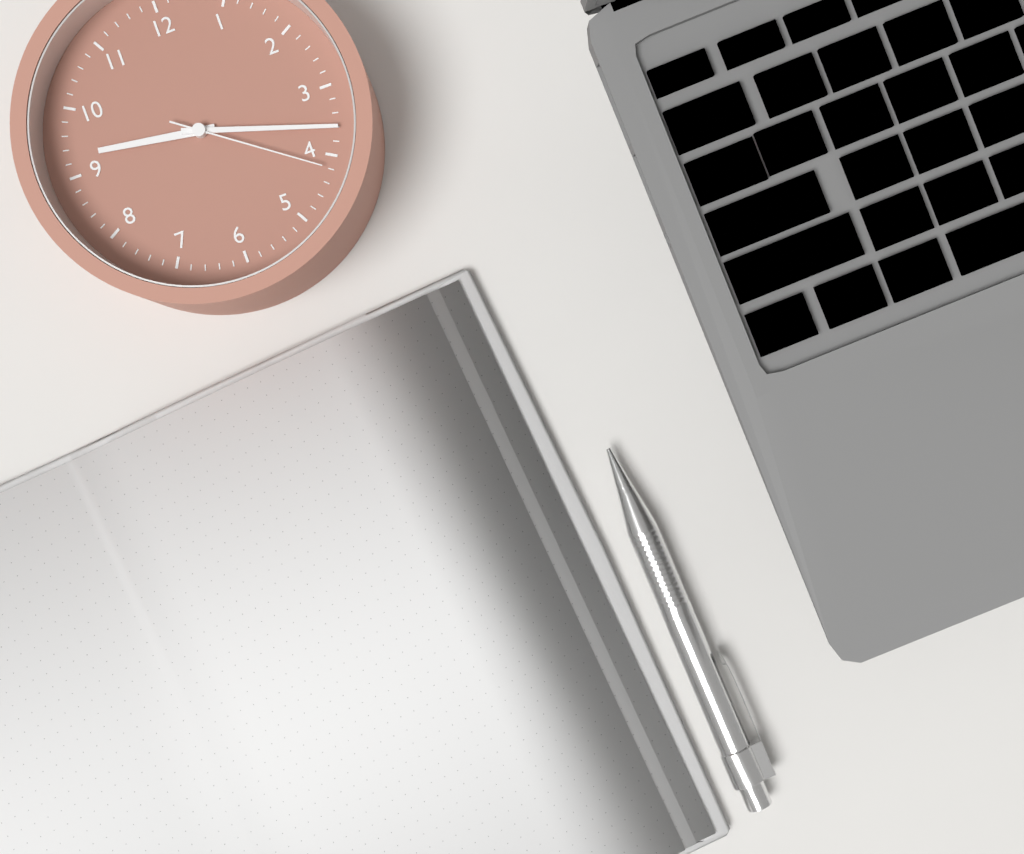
9:18:21
